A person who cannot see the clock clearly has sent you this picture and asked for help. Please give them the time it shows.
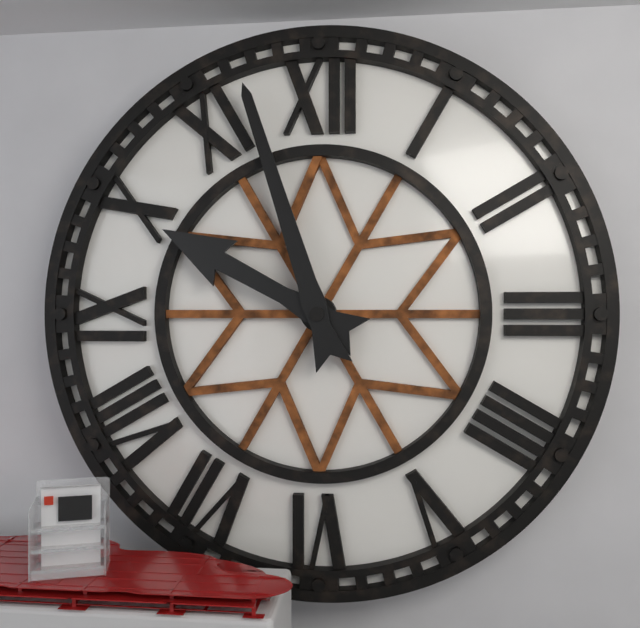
9:57
